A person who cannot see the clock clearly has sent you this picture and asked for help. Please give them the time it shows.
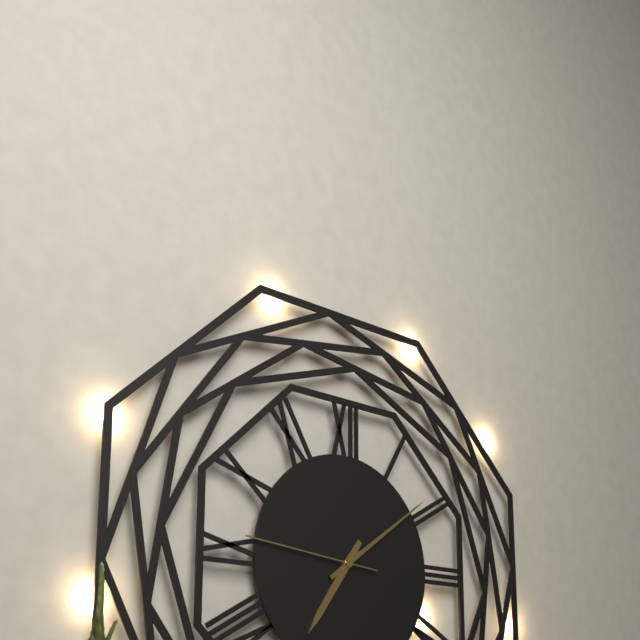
7:09:46
